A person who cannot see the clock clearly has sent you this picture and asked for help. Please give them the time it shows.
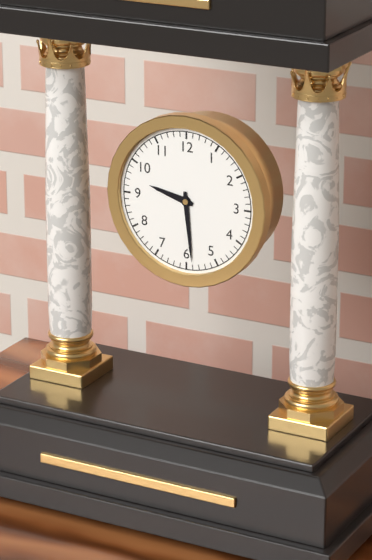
9:29
